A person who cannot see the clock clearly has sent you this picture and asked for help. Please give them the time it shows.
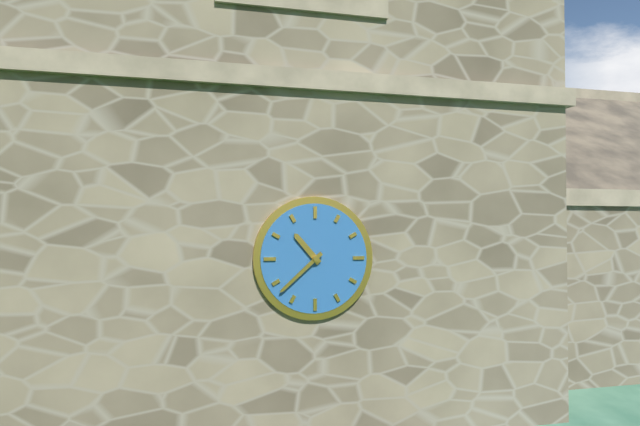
10:38
